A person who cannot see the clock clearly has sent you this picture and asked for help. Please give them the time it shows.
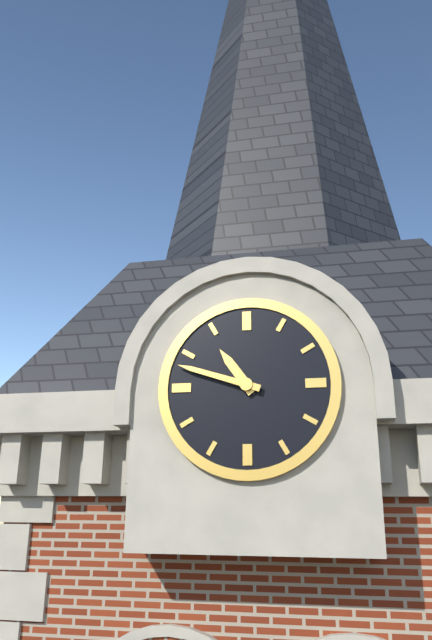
10:48
